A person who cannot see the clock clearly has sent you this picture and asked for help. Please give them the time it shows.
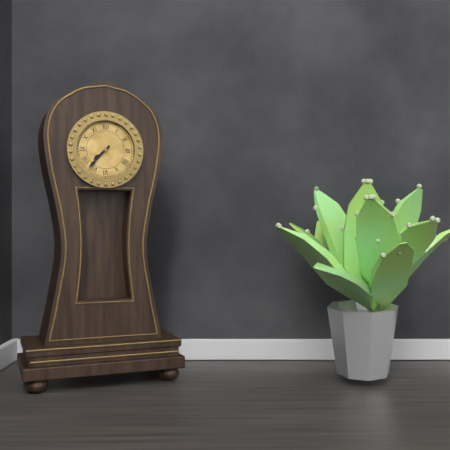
7:37
